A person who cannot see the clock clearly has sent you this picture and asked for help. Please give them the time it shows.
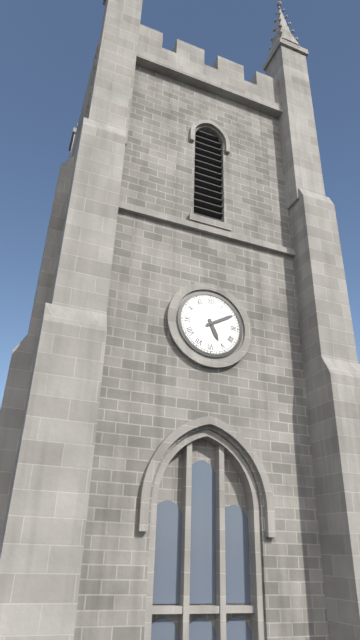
5:10
